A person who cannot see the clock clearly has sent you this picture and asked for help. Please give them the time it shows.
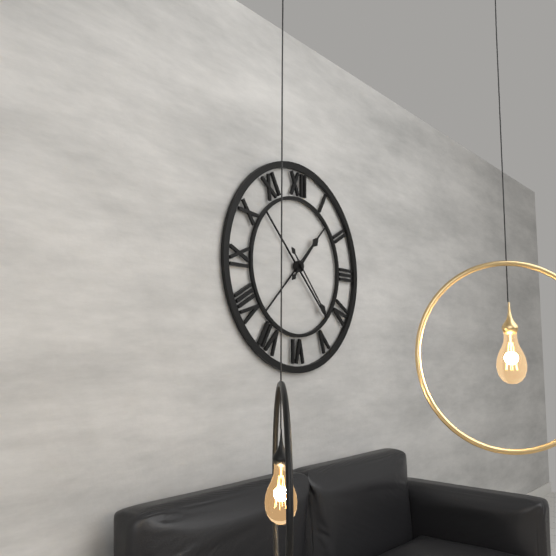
1:23
